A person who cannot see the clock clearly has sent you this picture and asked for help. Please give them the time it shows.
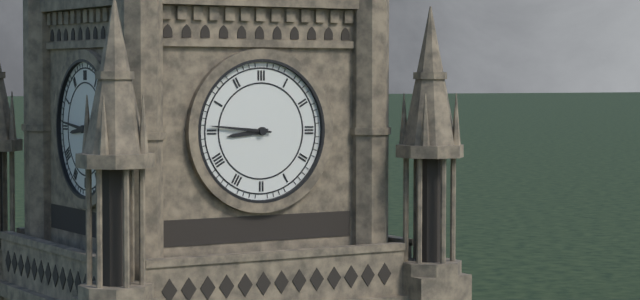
8:46
